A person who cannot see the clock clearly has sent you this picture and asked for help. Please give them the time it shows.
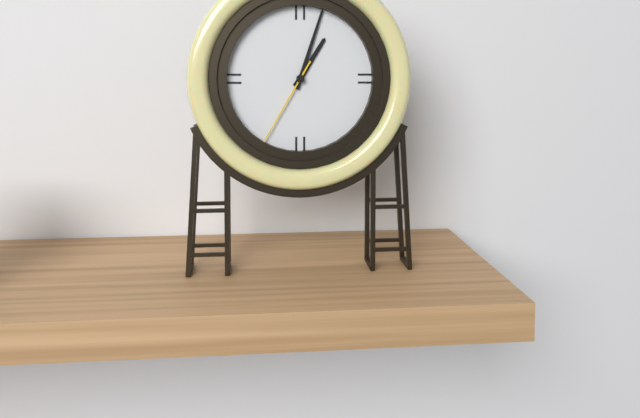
1:03:35
